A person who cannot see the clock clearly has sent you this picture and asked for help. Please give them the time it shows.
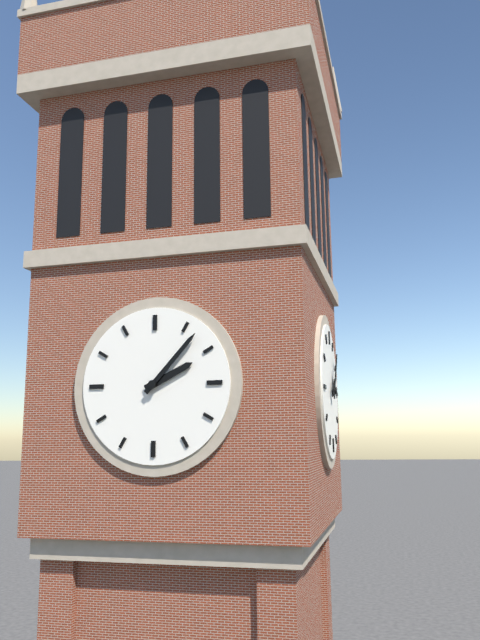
2:07
